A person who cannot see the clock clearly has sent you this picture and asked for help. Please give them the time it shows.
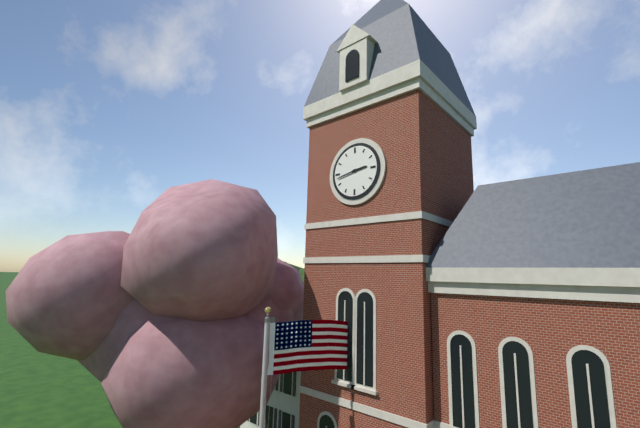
2:43
